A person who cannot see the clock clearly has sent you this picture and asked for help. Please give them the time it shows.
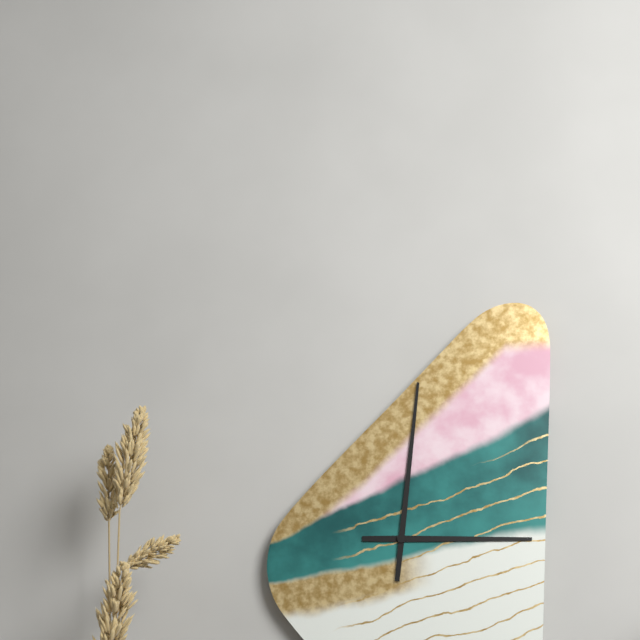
3:01
